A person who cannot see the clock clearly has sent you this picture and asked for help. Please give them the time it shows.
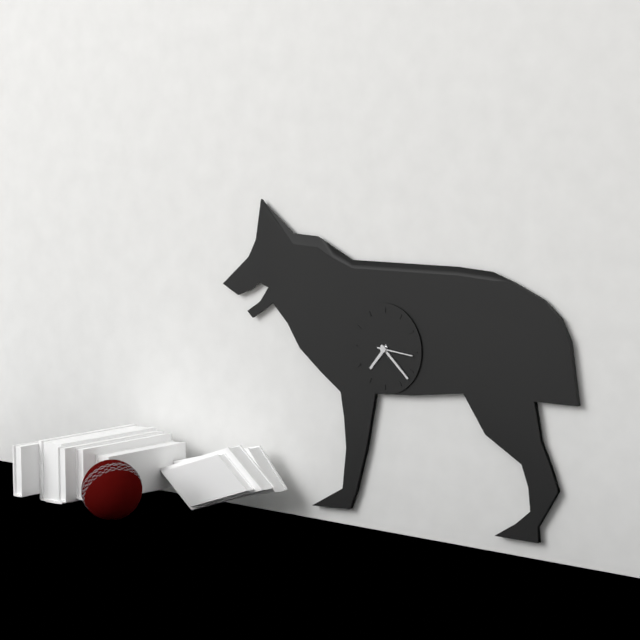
7:22
